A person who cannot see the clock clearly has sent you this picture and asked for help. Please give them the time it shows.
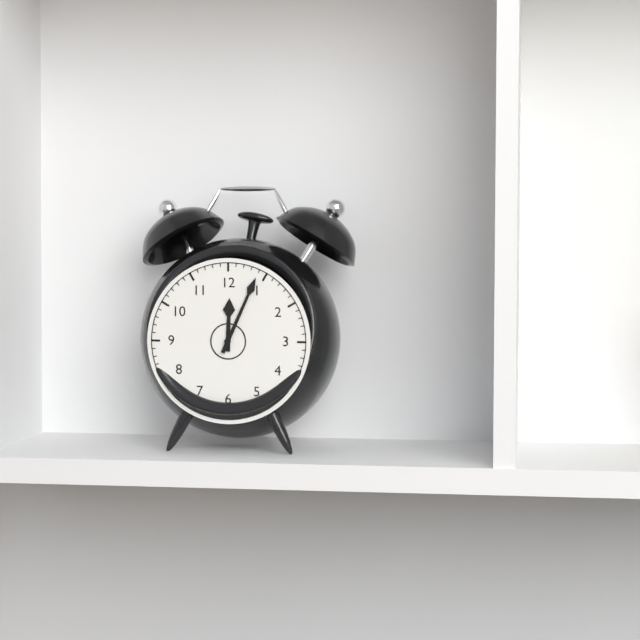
12:04
